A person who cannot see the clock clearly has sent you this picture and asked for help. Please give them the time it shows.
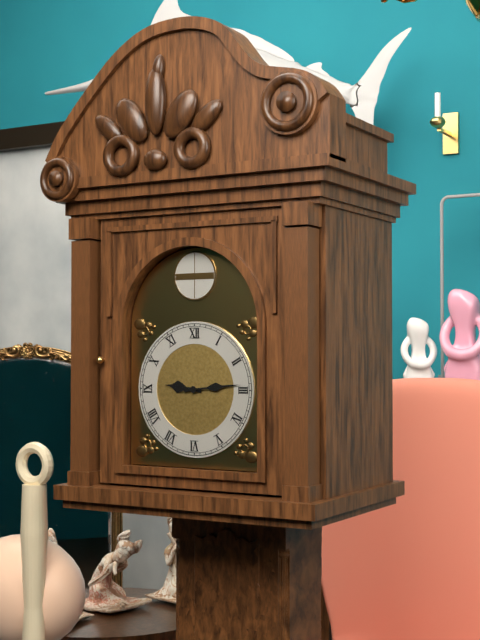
9:14
